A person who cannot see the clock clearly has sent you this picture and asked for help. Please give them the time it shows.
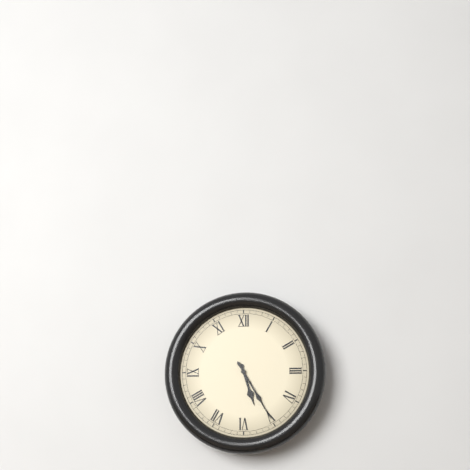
5:25
